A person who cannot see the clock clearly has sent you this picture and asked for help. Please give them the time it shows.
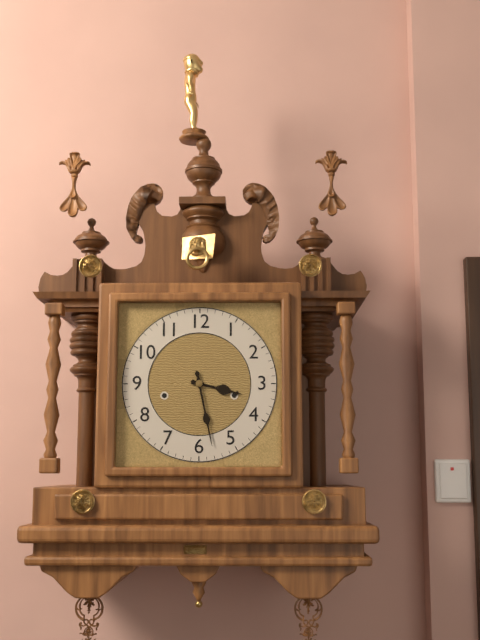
3:28
